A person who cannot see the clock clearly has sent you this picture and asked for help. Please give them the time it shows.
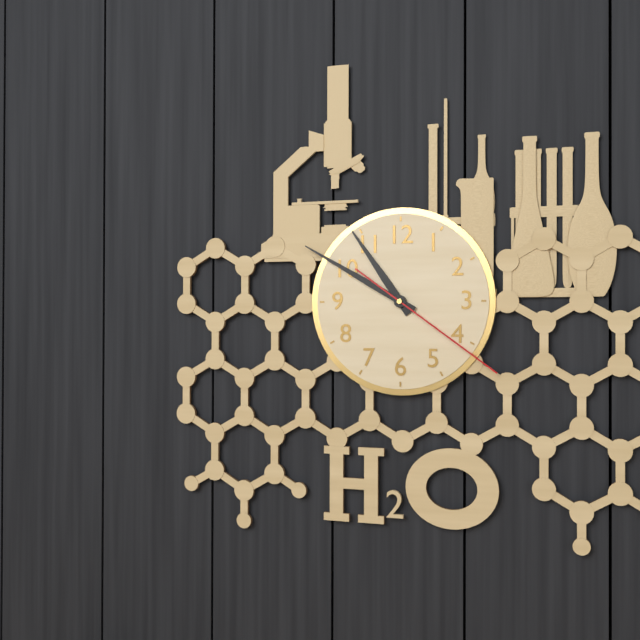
10:50:21
